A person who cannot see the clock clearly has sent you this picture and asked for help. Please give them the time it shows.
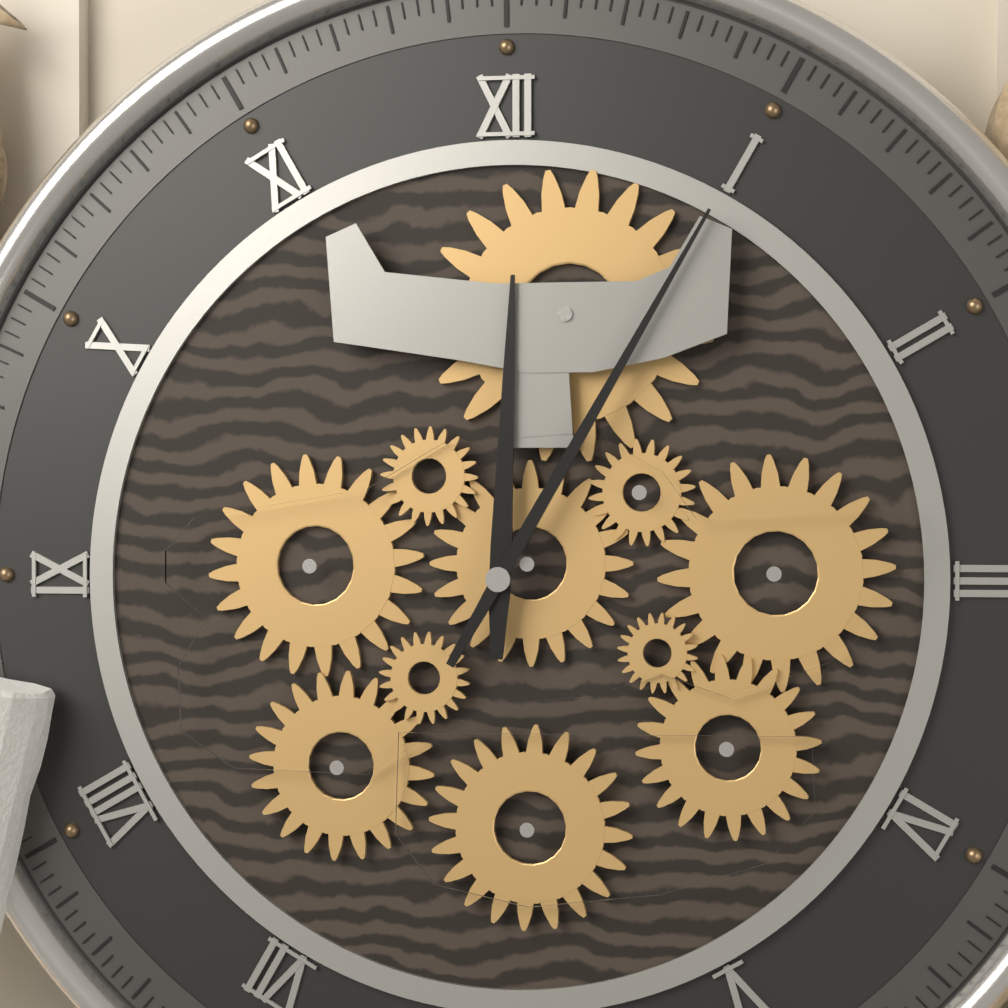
12:05
